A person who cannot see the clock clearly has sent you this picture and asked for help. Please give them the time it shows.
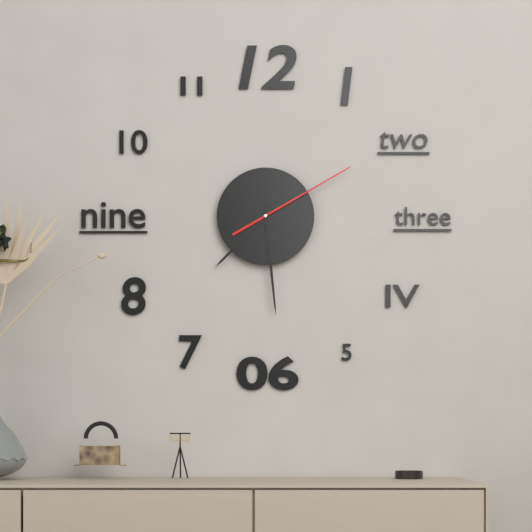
7:29:10
